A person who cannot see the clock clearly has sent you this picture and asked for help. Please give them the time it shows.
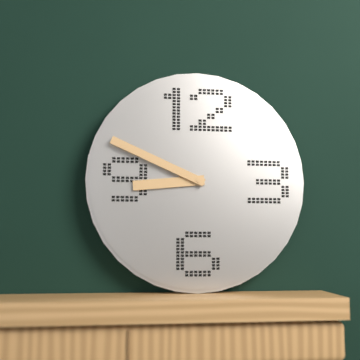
8:49
